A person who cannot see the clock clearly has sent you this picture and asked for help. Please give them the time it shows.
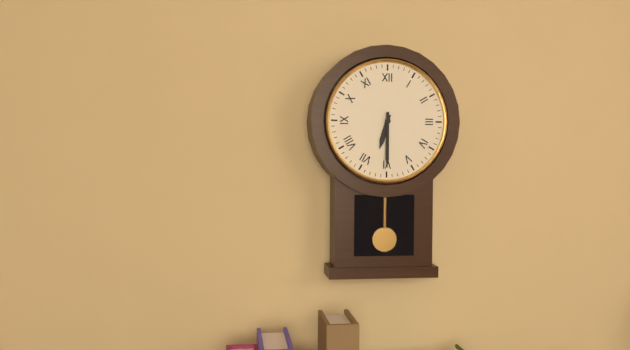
6:30
